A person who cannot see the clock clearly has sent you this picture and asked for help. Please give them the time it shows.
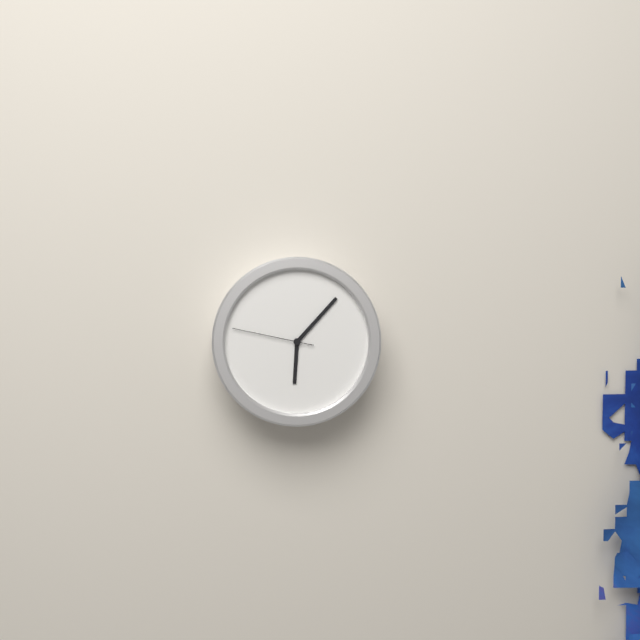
6:07:47
